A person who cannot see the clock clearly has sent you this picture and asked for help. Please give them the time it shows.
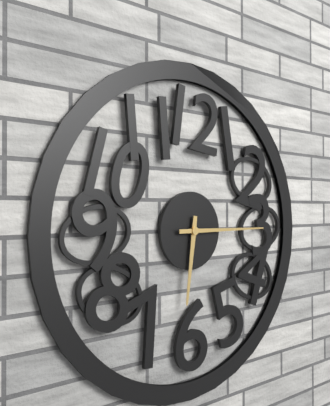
6:15
